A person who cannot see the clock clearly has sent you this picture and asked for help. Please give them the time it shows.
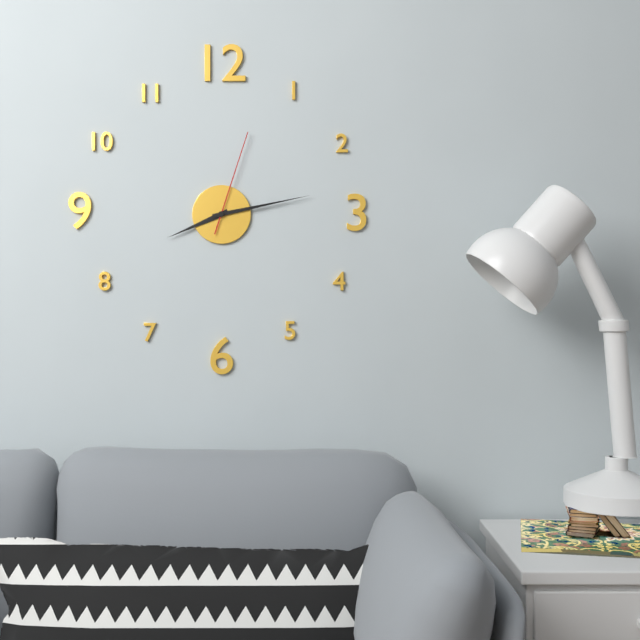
8:13:03
